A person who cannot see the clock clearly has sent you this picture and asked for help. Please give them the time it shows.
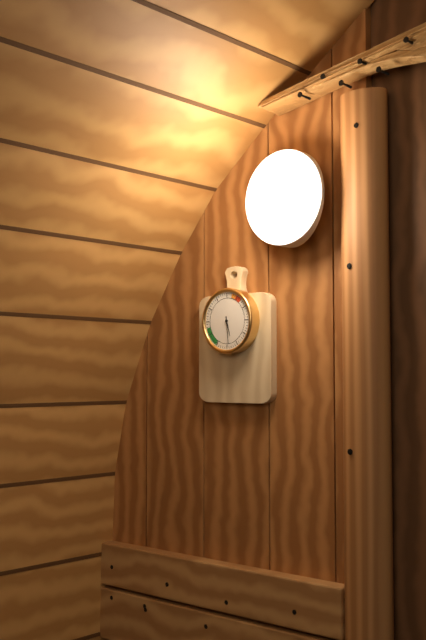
5:29
